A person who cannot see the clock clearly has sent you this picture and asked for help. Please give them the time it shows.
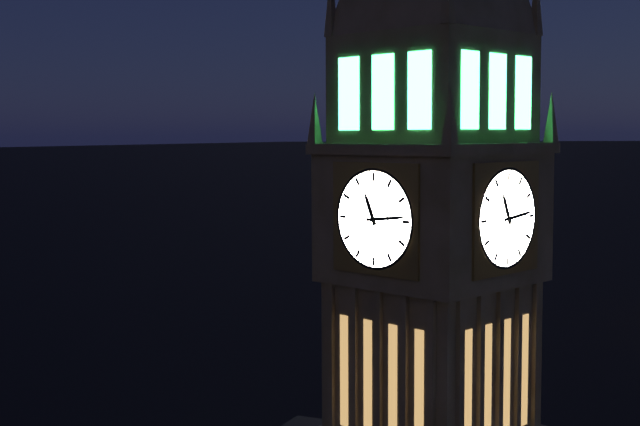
11:14
